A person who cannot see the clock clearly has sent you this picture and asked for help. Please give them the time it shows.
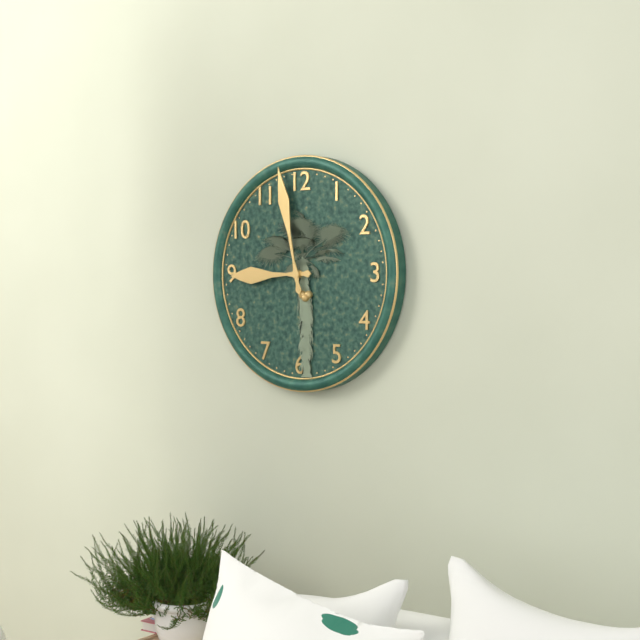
8:58
